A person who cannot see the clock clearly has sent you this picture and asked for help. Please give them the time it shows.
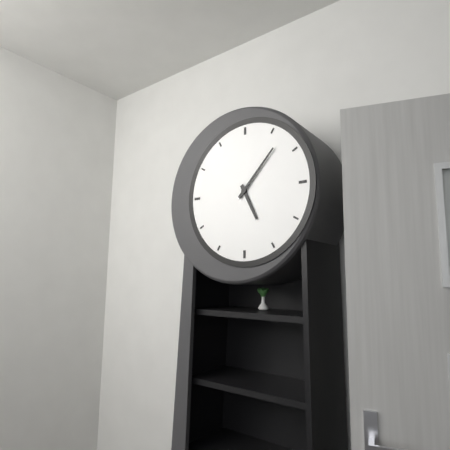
5:07
